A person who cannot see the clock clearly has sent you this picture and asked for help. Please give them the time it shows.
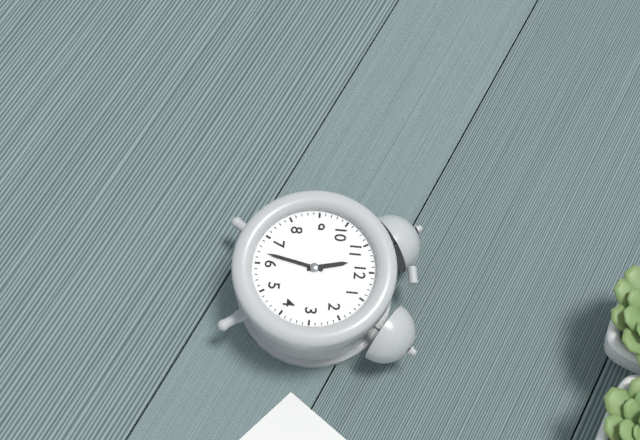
11:32
